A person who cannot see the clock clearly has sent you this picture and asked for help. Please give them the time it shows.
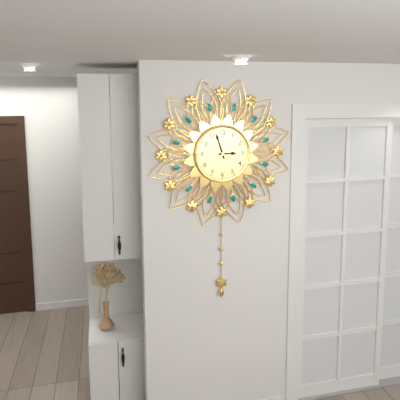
2:57
